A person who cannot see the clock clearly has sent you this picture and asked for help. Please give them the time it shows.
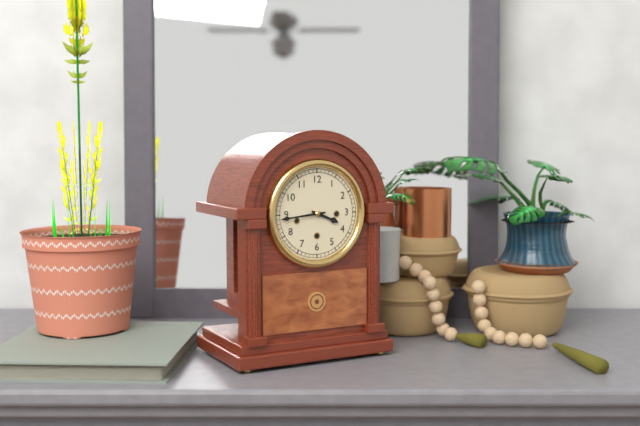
3:44
